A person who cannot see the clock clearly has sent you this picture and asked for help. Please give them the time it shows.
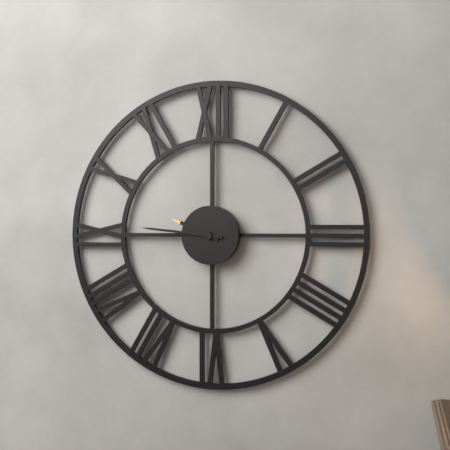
9:46
